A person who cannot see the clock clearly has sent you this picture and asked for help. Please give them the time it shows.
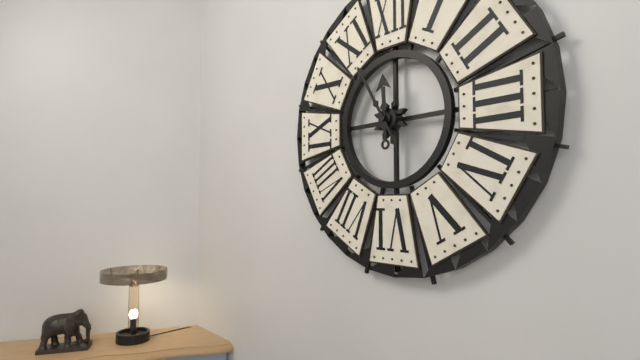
11:55
